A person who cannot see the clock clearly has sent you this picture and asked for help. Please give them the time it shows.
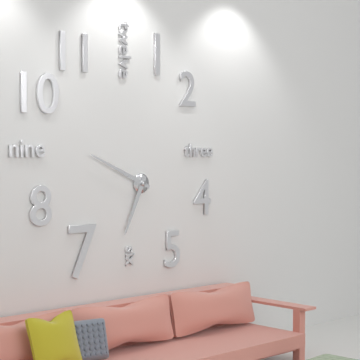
6:49
